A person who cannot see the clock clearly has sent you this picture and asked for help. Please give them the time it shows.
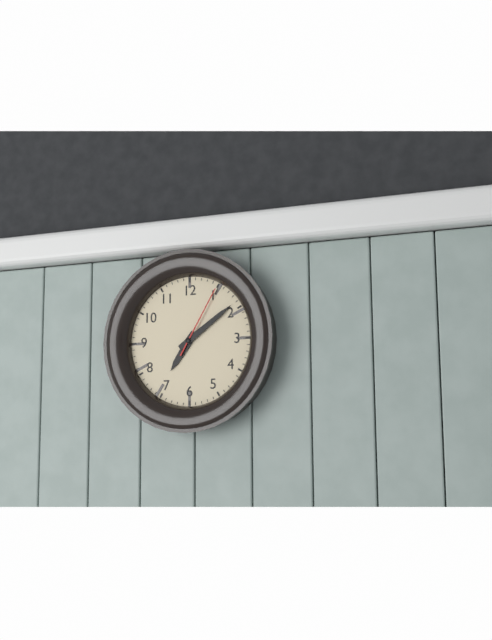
7:09:05
